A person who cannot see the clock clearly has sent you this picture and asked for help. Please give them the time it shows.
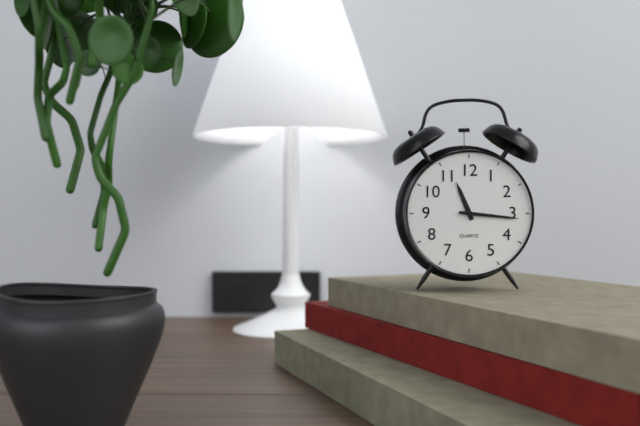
11:16
